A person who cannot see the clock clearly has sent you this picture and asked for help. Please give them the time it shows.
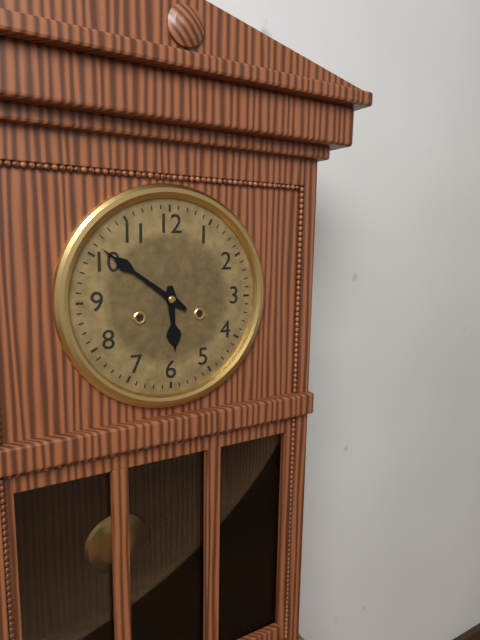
5:51
